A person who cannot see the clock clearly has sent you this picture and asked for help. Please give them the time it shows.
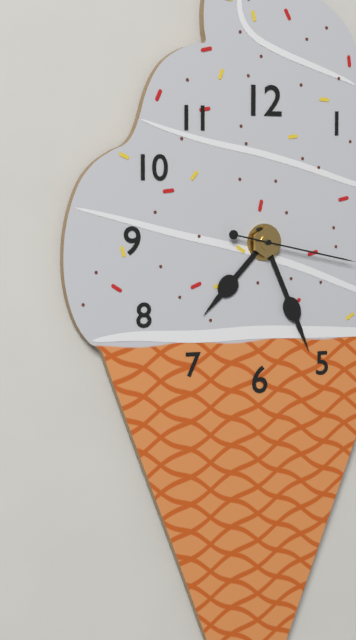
7:26
